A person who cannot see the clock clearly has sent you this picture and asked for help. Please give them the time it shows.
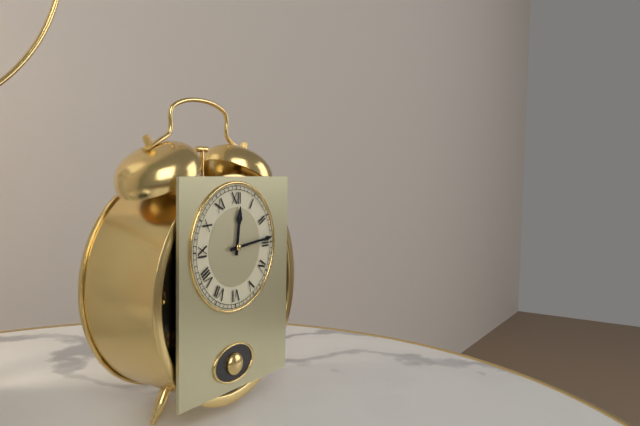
12:14
